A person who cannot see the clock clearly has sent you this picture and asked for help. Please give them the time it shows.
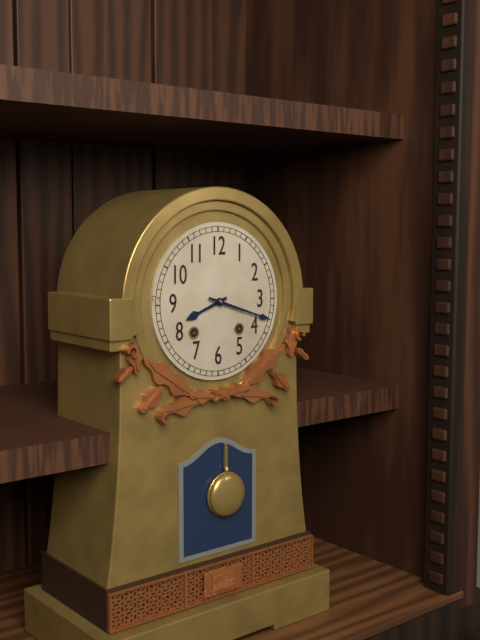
8:18
